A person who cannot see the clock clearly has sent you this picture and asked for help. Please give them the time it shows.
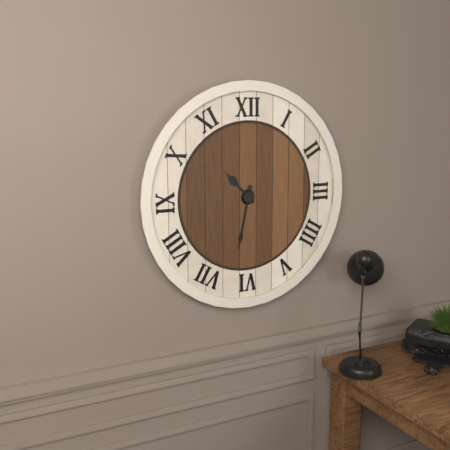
10:32
